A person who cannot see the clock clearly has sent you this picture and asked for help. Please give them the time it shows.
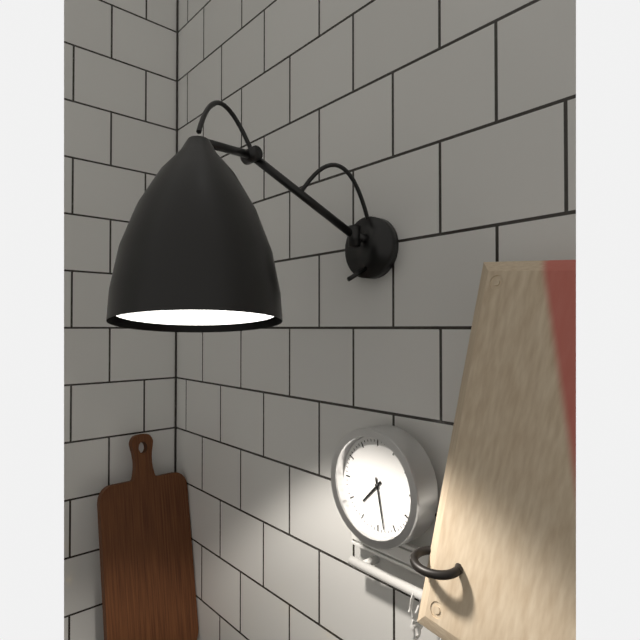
7:28
